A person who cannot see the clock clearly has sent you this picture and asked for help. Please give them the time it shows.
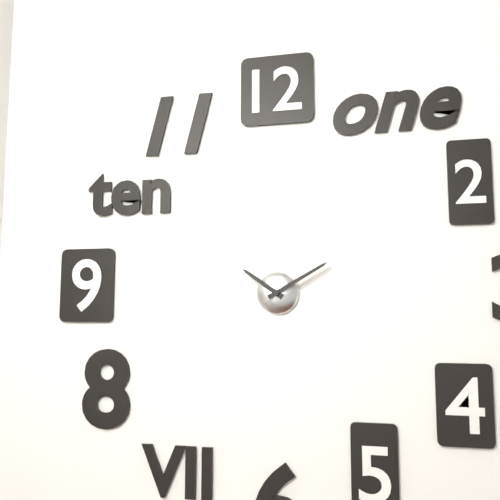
10:10
